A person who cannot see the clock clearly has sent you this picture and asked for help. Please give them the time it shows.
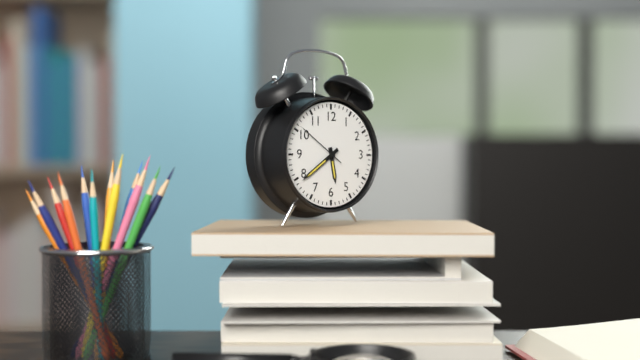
5:39:51
